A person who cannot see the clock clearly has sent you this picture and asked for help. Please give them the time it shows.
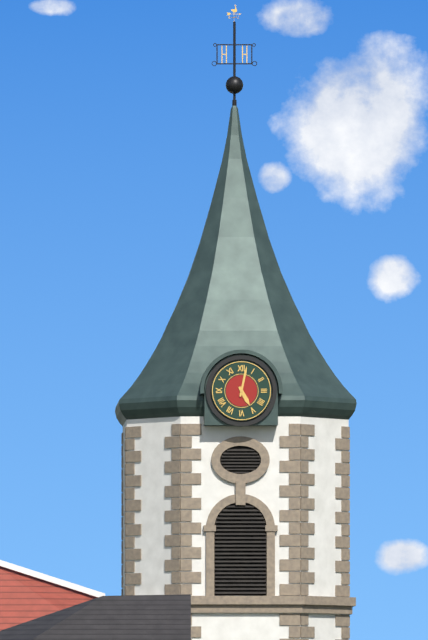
5:02
